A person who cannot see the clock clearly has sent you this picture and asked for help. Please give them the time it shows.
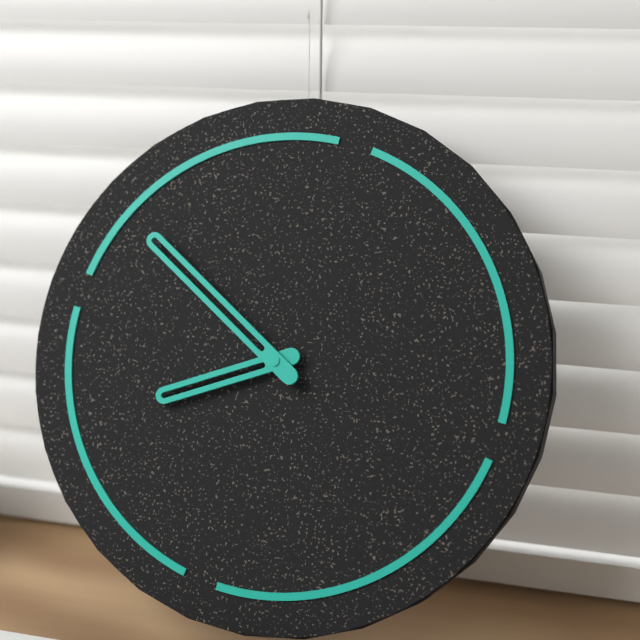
7:49
